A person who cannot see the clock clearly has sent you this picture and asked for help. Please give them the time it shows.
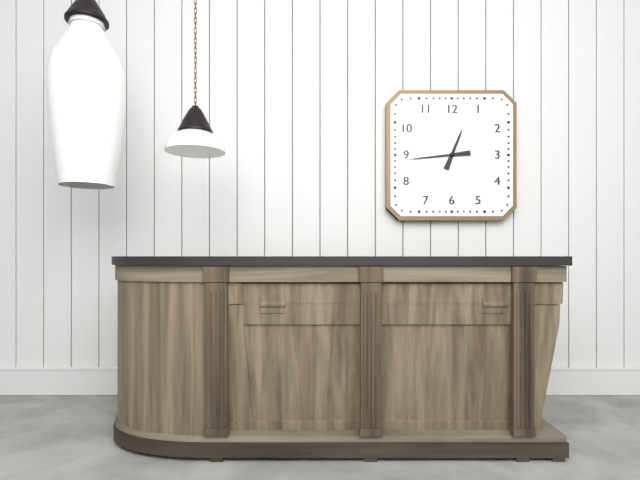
12:44
